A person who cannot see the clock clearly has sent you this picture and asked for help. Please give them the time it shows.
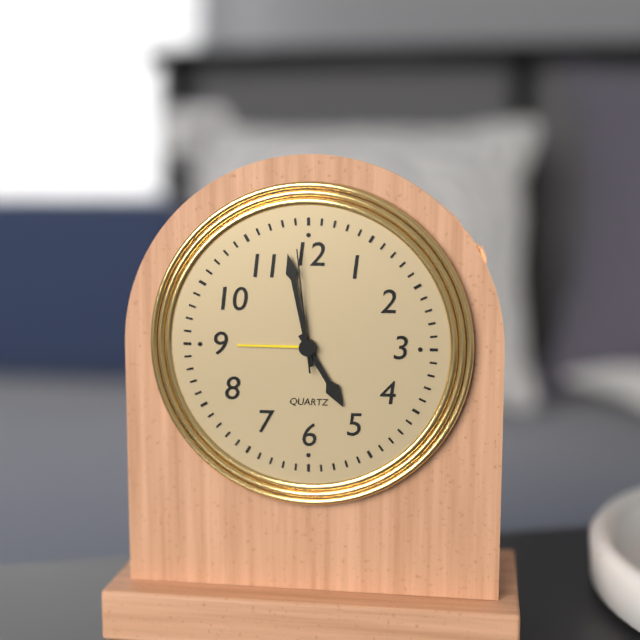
4:58:59
